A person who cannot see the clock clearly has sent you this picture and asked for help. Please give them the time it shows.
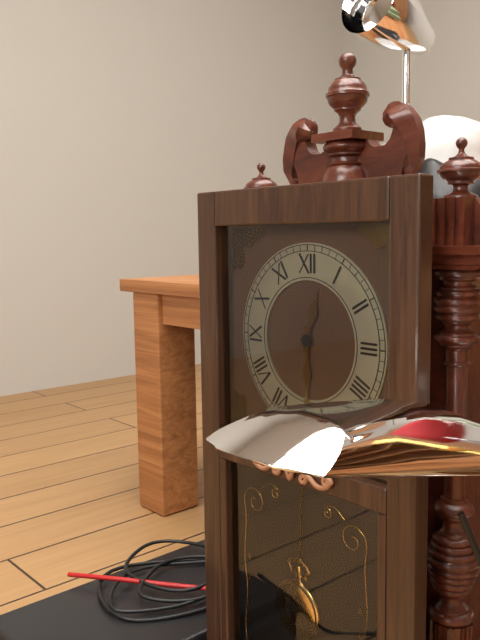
12:30
